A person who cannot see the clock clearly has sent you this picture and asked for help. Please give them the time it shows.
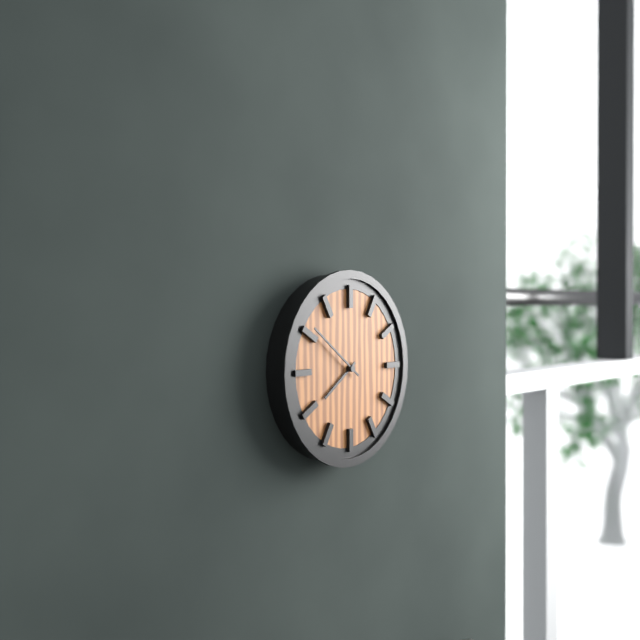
7:51
